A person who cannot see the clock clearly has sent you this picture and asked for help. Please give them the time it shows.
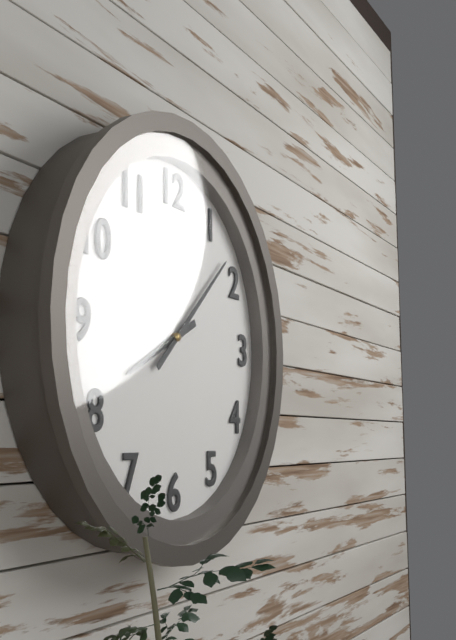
8:08
